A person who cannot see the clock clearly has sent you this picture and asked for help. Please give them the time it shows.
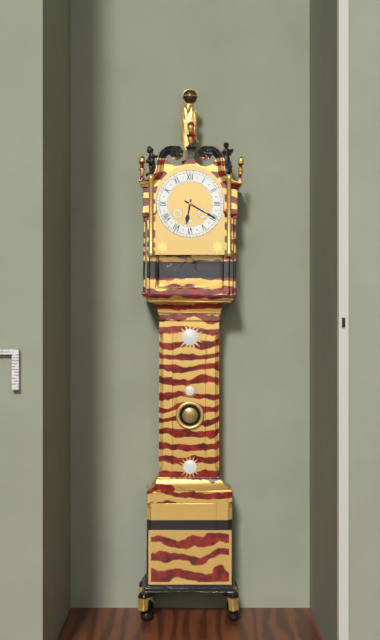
6:20
